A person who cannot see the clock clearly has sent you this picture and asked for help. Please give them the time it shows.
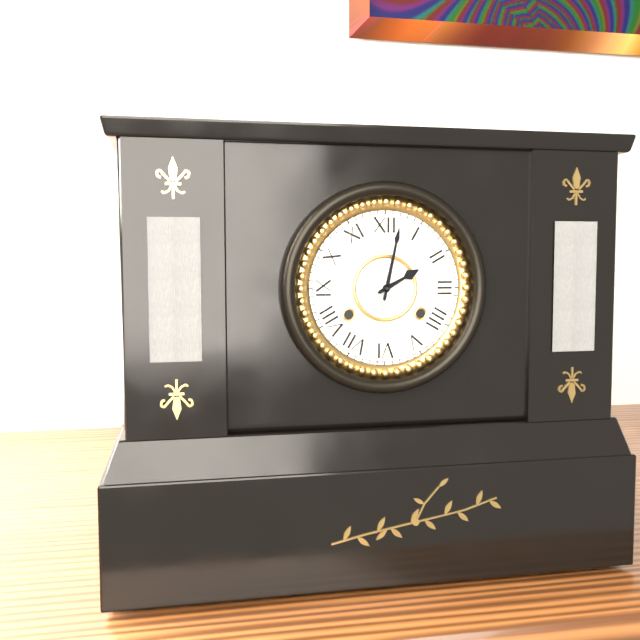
2:02
